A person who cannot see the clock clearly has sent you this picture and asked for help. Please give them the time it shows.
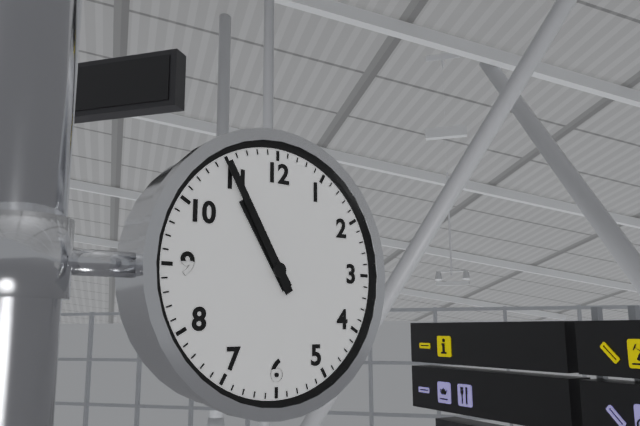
10:55
